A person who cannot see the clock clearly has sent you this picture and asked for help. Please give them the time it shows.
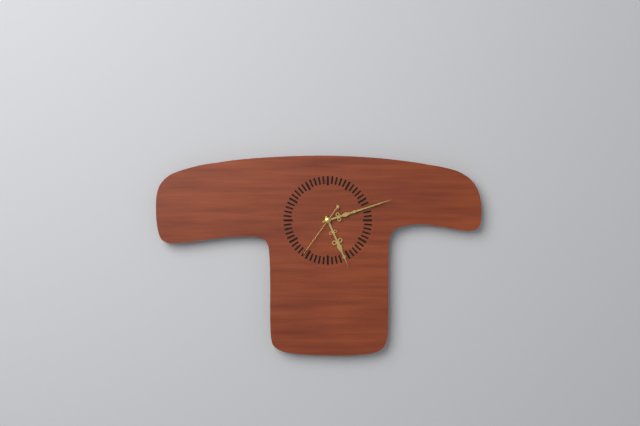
5:12:36
